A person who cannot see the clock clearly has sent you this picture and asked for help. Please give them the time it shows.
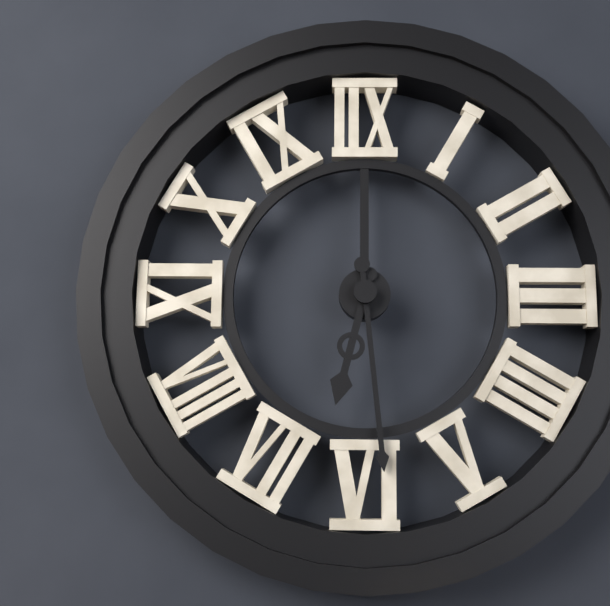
6:29
